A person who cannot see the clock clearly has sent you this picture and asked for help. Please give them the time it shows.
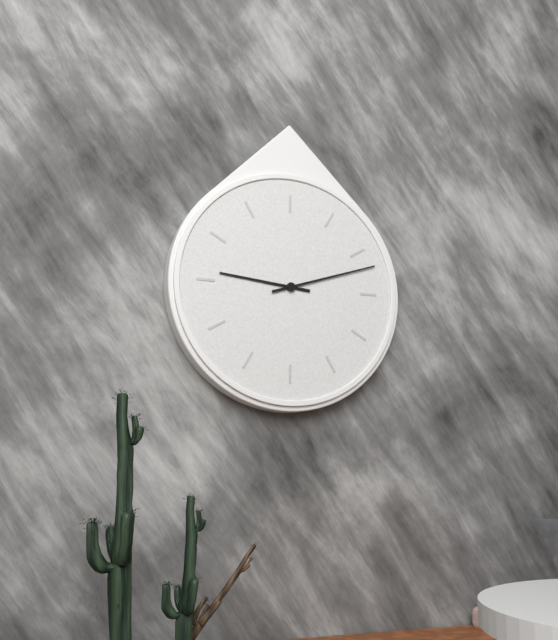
9:12
